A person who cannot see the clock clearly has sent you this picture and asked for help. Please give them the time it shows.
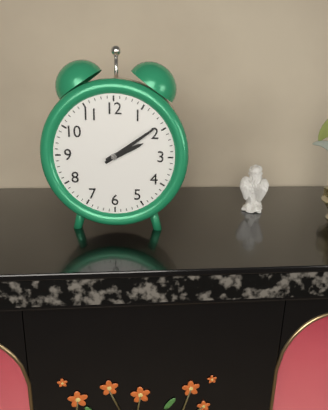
2:09
